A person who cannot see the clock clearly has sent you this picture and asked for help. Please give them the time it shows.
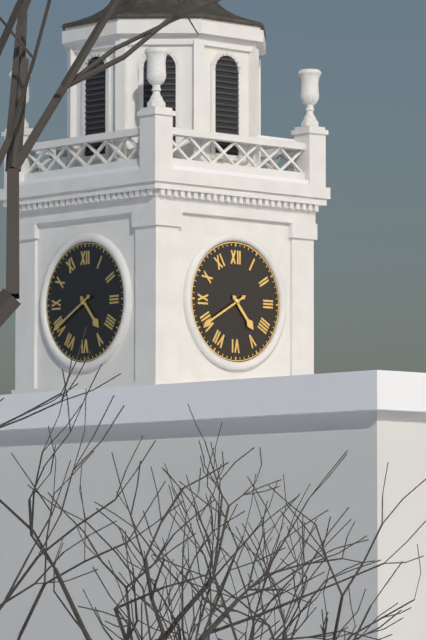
4:40
